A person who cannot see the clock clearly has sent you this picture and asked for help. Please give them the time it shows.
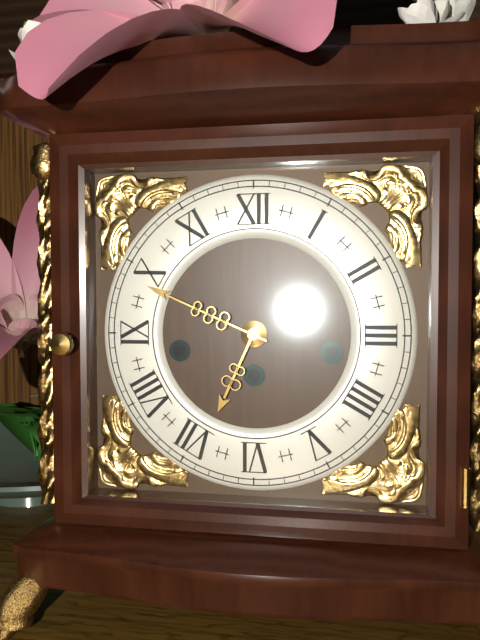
6:49
